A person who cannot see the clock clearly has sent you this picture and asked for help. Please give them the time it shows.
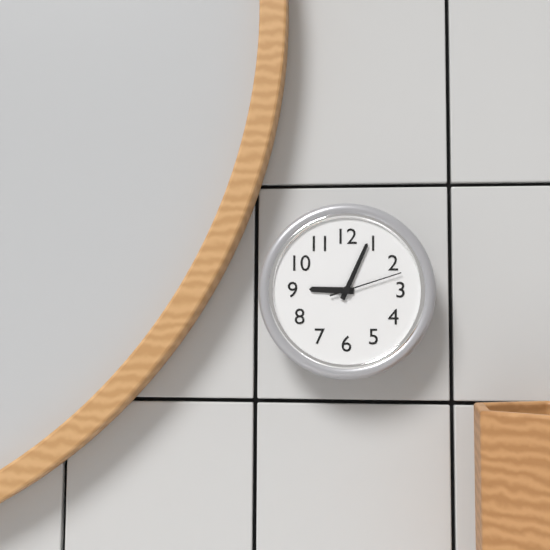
9:04:12
